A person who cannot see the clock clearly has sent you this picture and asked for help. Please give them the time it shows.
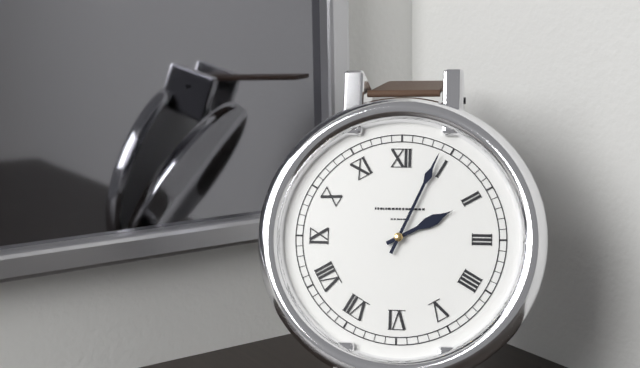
2:04
